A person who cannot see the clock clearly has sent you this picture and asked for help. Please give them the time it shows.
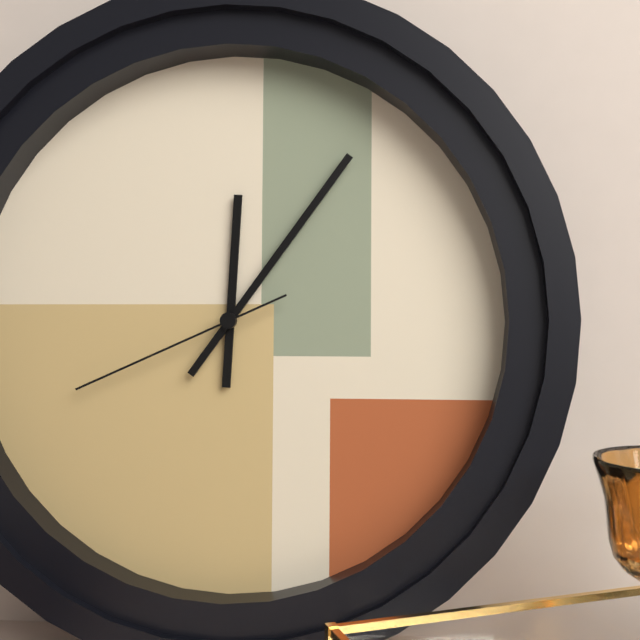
12:06:41
